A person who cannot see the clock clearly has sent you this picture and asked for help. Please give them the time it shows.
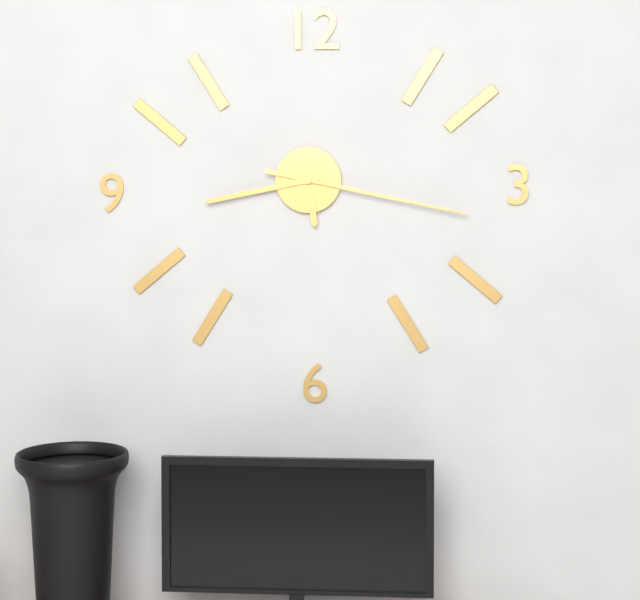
5:43:17
